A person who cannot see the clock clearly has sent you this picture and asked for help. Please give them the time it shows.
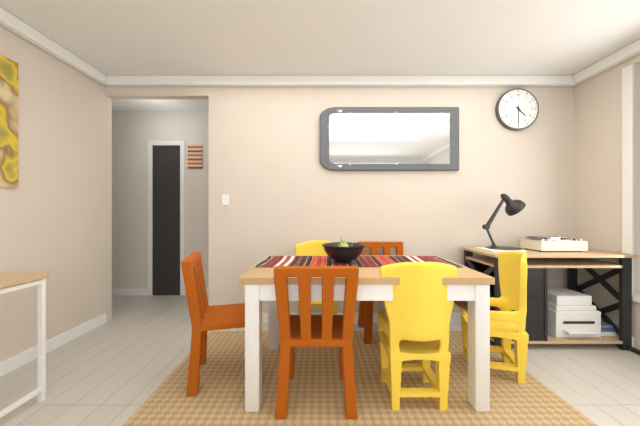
4:30
